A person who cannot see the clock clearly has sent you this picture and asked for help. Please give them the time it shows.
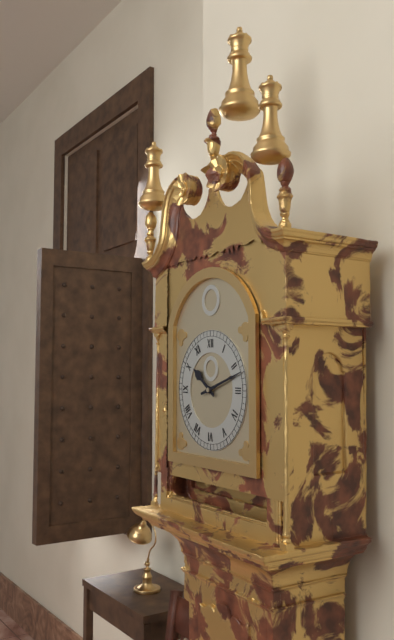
10:12
